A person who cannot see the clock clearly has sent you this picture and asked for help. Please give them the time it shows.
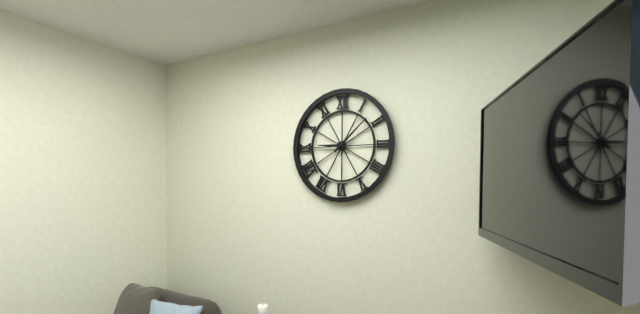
9:08
